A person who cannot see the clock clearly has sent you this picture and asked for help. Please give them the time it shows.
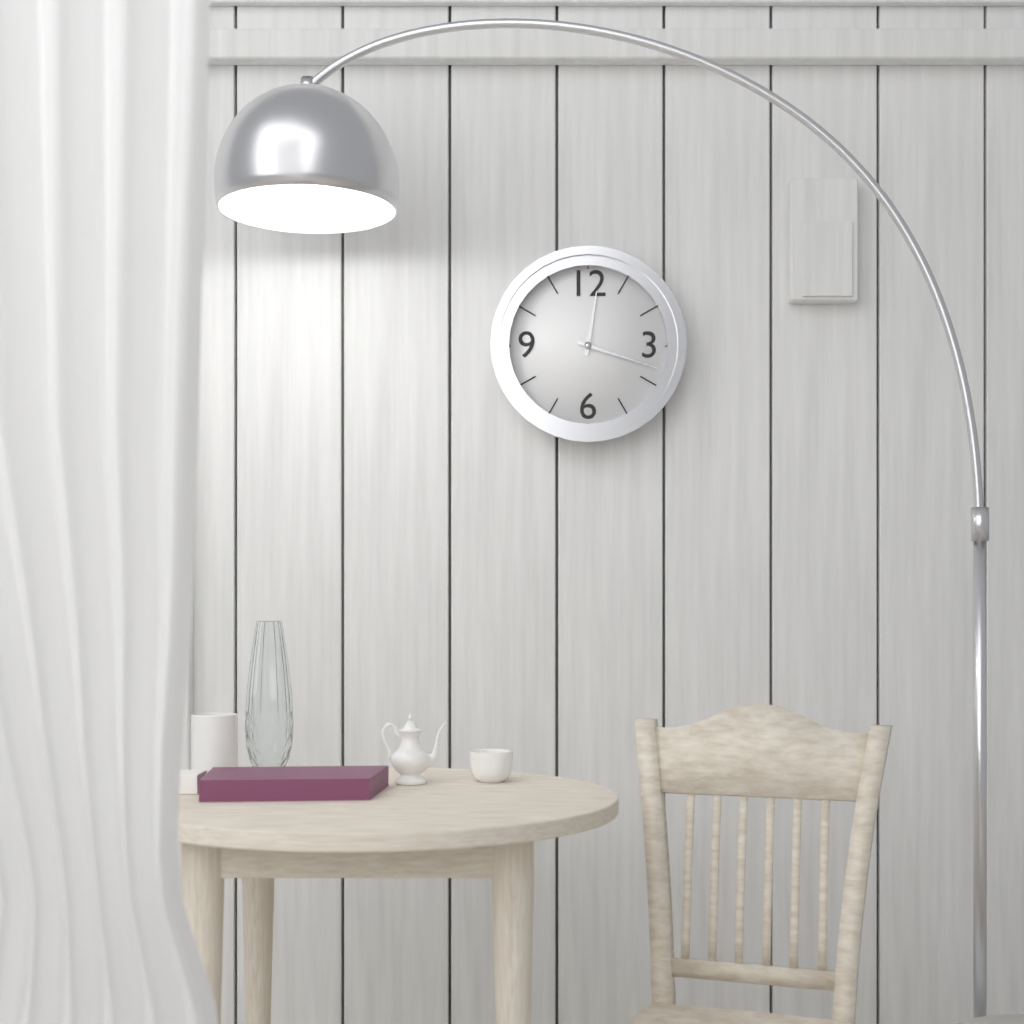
12:18
